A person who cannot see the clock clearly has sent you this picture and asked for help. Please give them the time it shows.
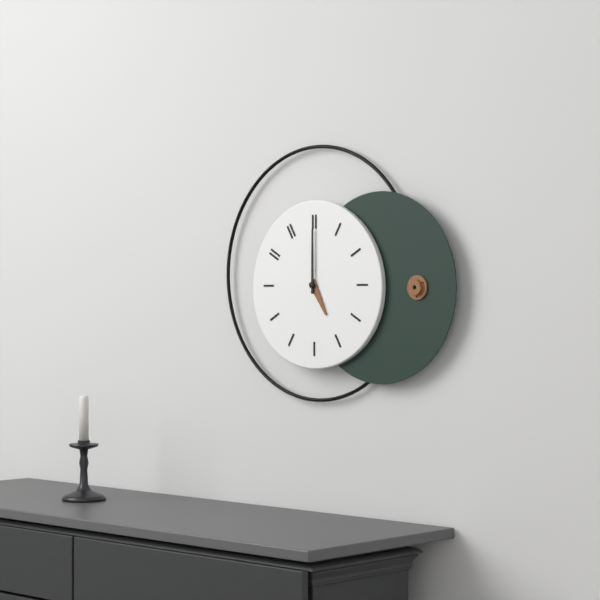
5:00
